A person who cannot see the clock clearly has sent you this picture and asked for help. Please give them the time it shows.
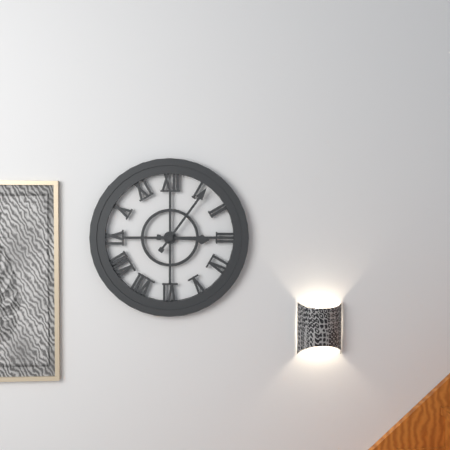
3:06
